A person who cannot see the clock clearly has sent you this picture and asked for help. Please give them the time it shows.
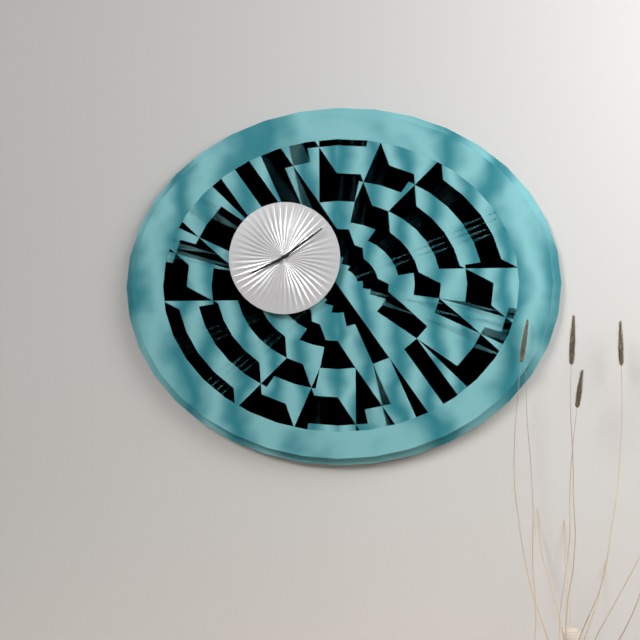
8:09
